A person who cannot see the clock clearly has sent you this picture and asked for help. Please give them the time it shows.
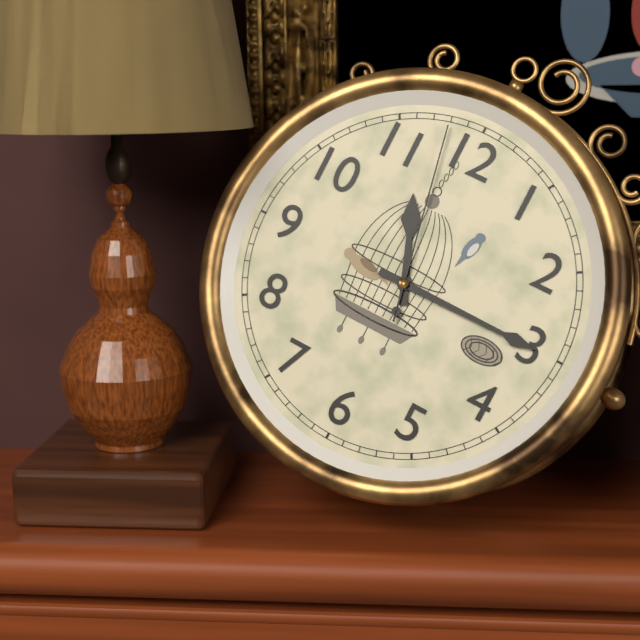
11:15:58
